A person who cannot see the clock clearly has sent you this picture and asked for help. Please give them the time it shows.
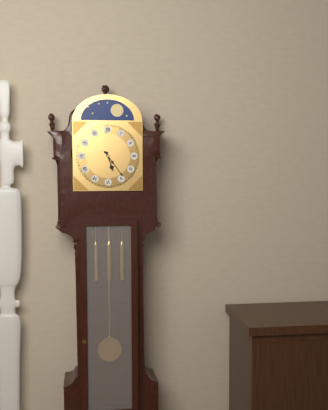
5:24
